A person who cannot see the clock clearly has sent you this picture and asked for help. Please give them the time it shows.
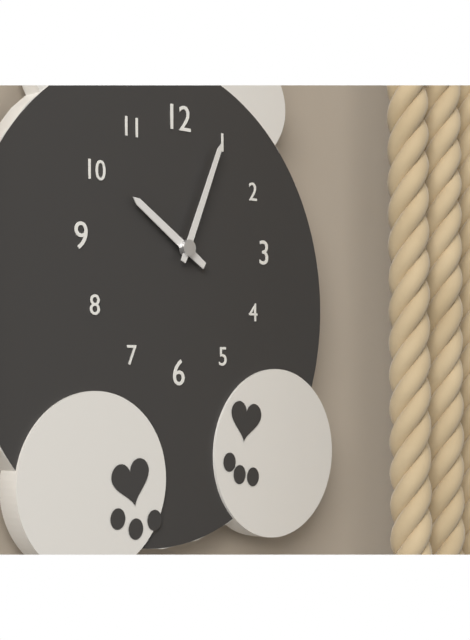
10:04
